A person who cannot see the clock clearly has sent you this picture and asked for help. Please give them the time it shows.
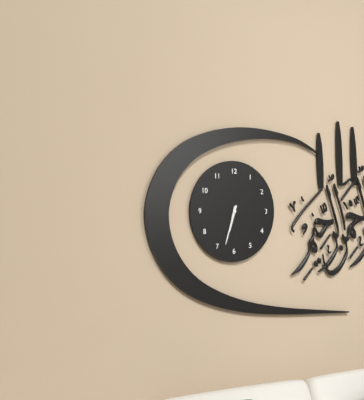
6:33
